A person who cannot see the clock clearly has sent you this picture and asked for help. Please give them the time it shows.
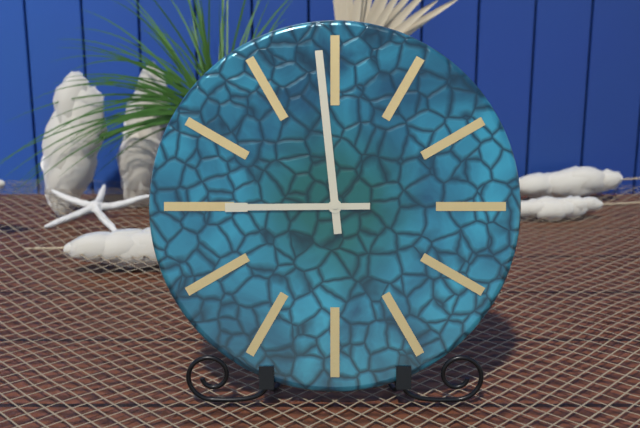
8:59
